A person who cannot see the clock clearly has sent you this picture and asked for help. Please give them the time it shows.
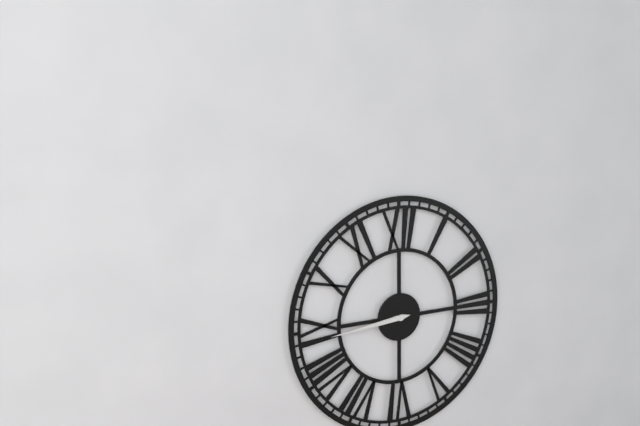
8:44
